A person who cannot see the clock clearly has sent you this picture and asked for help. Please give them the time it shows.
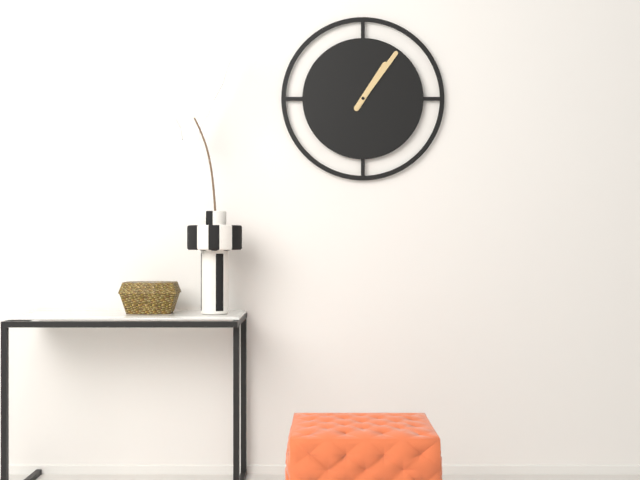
1:06
